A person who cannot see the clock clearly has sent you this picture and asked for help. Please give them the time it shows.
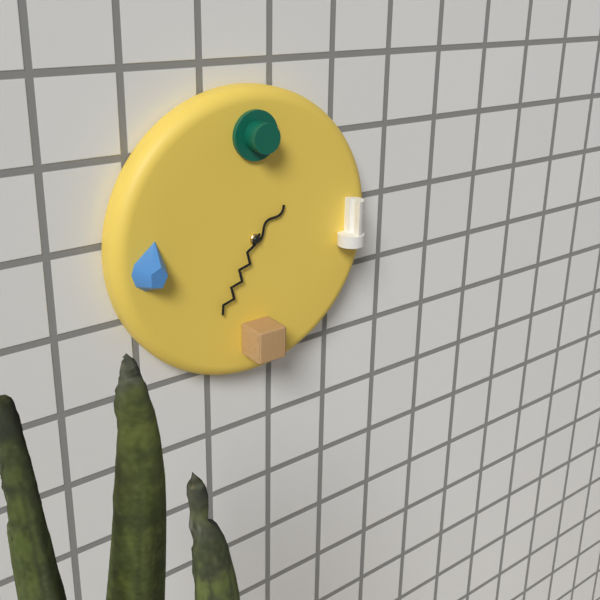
1:35
